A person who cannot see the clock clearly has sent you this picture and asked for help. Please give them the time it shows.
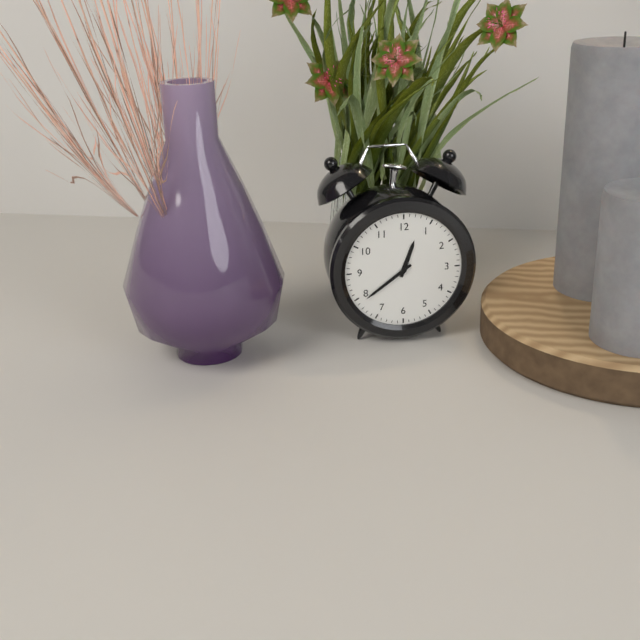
12:39
